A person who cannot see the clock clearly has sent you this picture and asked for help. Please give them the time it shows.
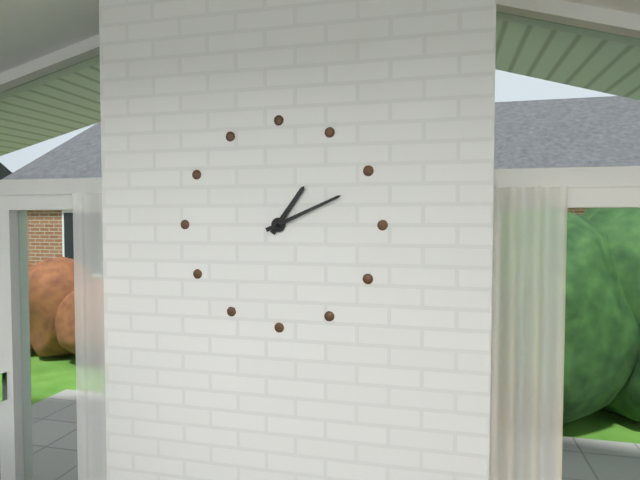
1:11
